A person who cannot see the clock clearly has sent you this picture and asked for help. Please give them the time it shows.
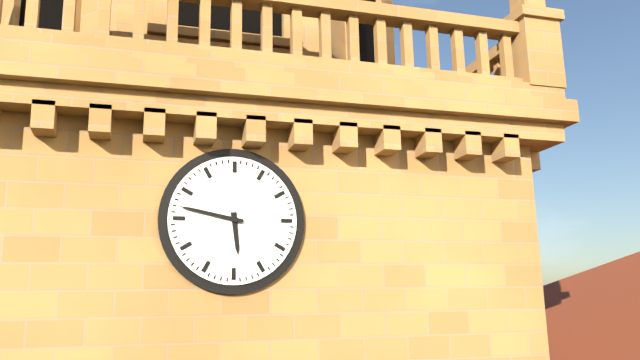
5:47
